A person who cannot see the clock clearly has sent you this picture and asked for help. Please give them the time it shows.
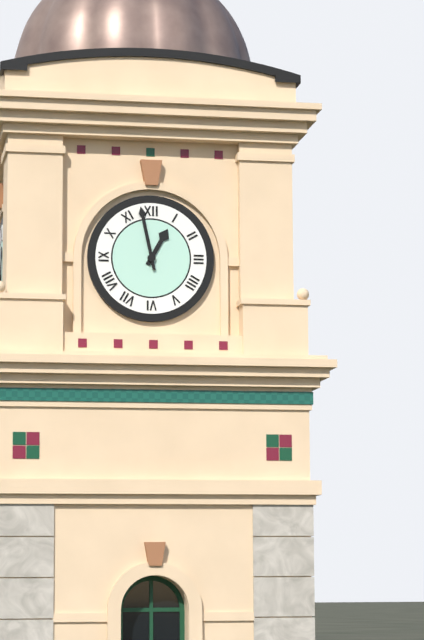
12:58
